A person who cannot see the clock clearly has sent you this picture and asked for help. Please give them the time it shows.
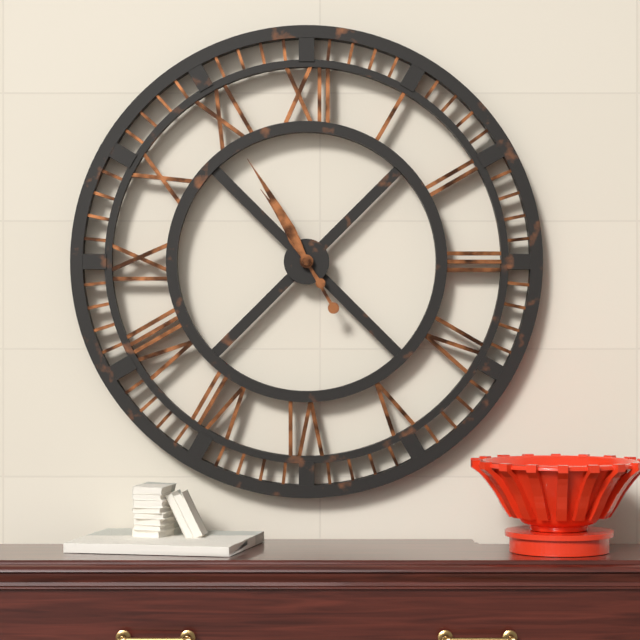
10:55
